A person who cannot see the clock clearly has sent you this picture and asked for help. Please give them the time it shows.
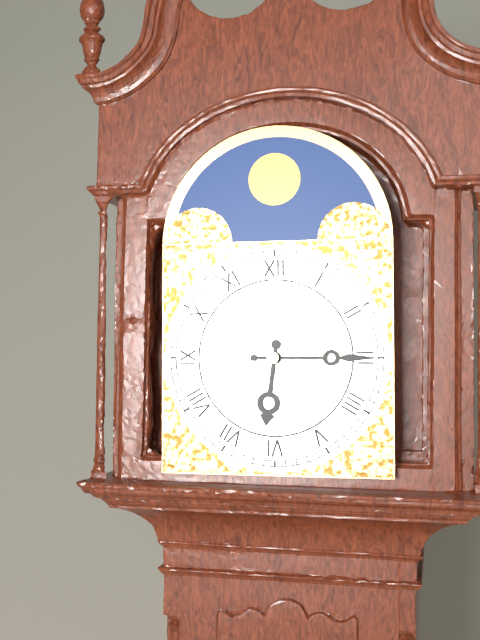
6:15
